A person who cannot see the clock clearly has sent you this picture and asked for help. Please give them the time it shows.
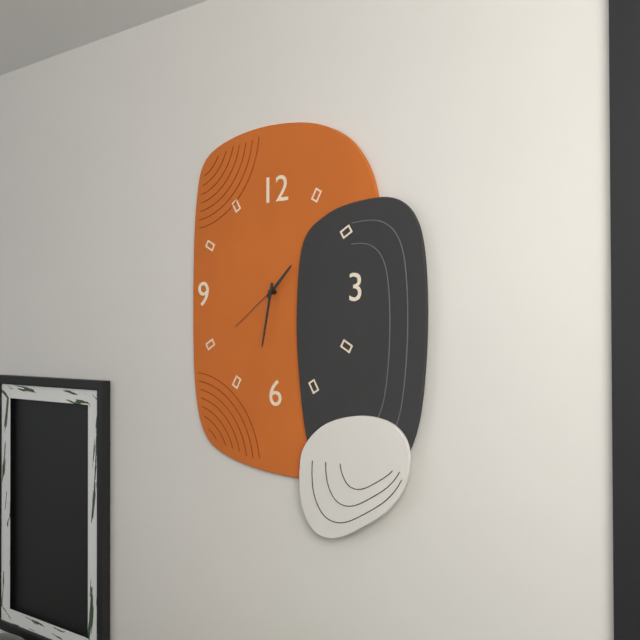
1:32:39
